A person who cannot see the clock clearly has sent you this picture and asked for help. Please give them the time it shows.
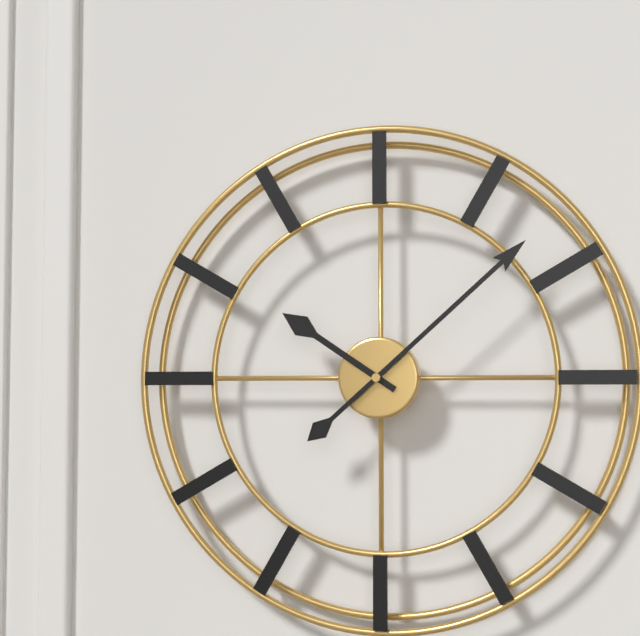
10:08
